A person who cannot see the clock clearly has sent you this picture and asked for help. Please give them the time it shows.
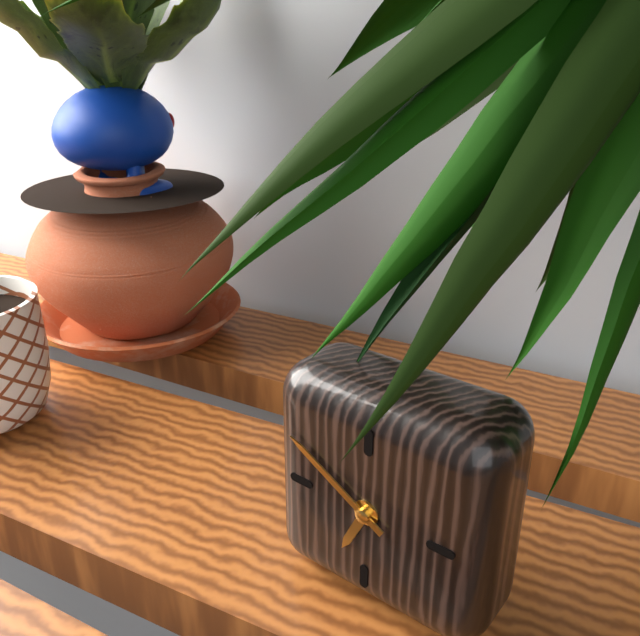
6:50
